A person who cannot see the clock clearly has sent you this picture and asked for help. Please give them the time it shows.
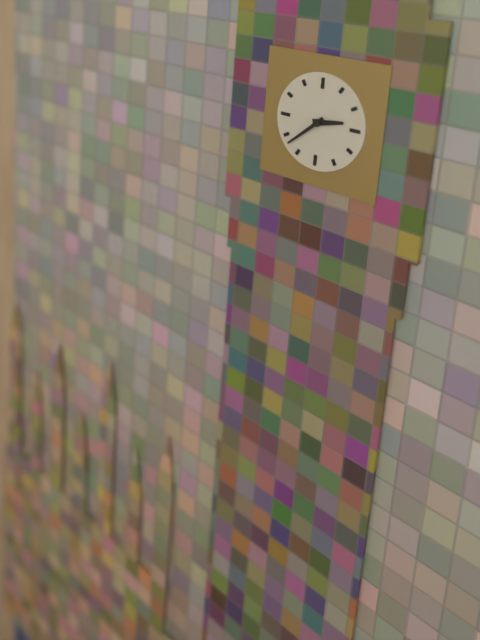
2:38
